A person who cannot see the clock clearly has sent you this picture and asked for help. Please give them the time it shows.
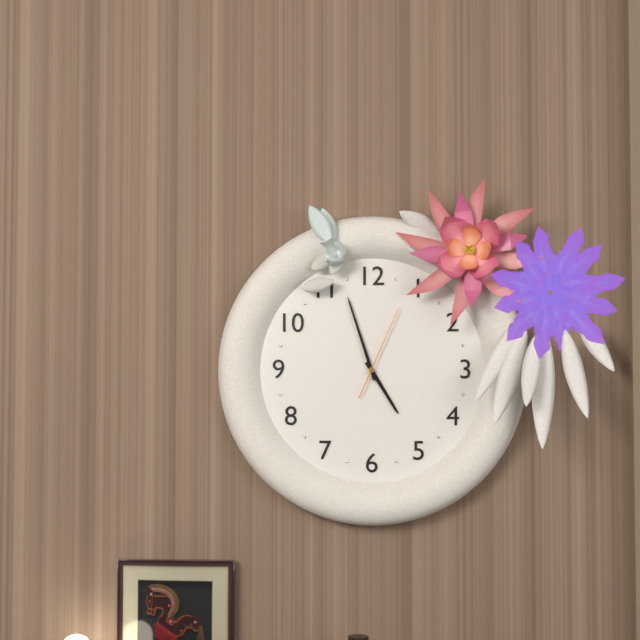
4:57:04
